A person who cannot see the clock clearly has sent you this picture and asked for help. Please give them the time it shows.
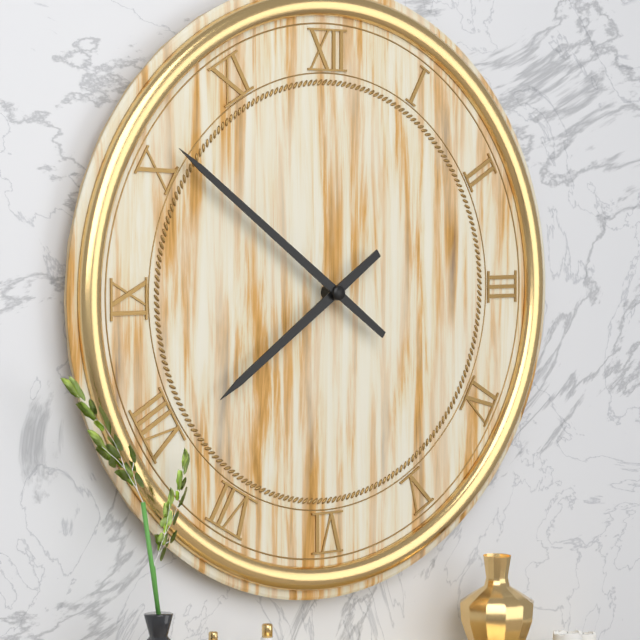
7:51
